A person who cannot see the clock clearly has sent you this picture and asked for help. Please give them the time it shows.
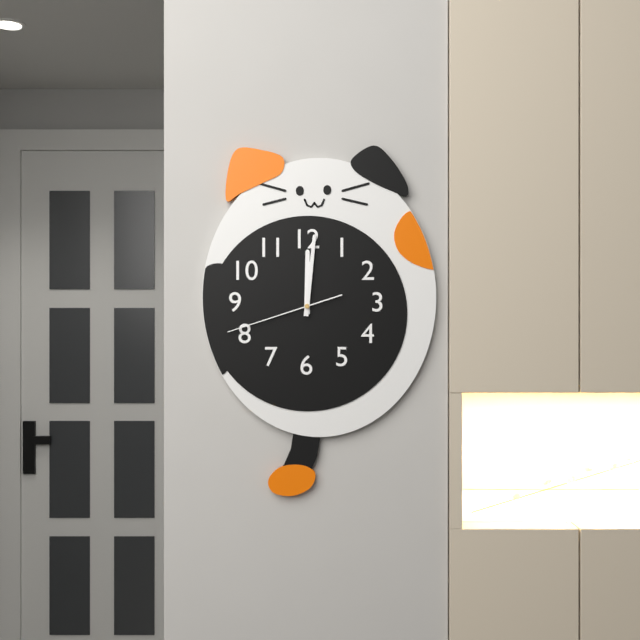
12:01:42
